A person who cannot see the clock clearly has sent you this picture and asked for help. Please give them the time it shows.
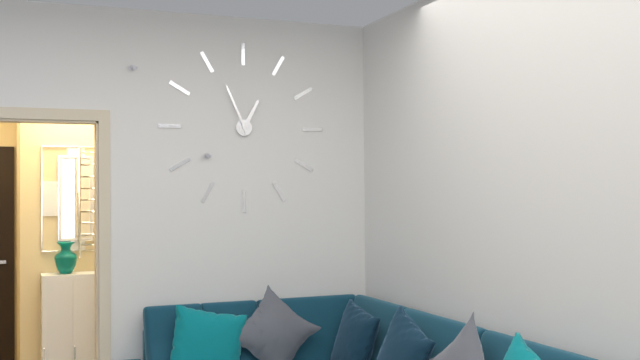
12:56
